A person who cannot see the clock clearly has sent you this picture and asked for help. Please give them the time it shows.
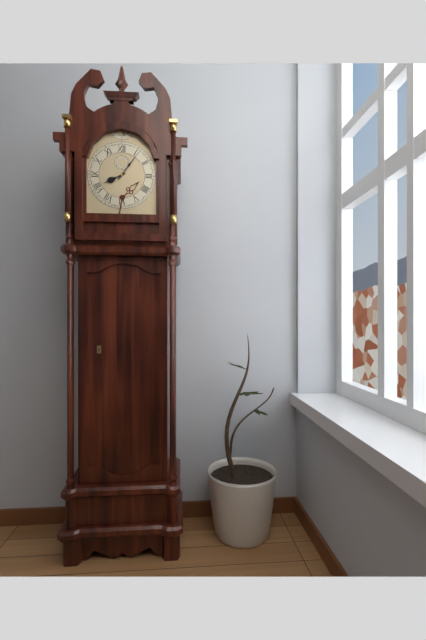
8:06
